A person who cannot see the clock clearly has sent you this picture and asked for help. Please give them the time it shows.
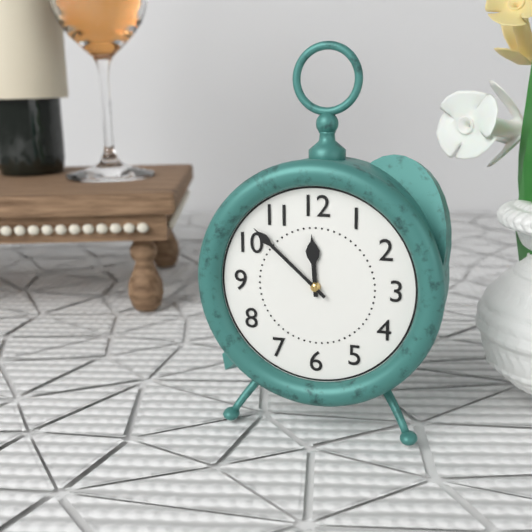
11:52
